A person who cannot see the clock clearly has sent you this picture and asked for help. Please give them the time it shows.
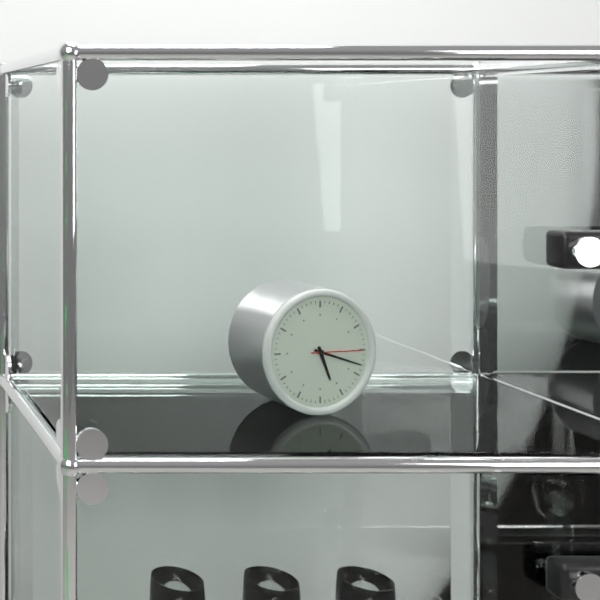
5:18:15
